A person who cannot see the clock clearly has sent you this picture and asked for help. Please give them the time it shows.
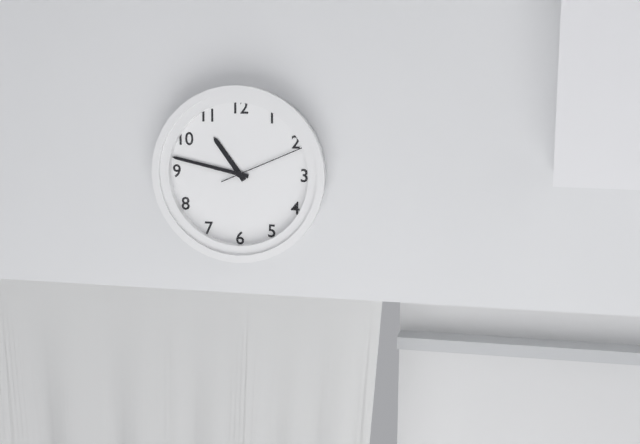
10:47:11
